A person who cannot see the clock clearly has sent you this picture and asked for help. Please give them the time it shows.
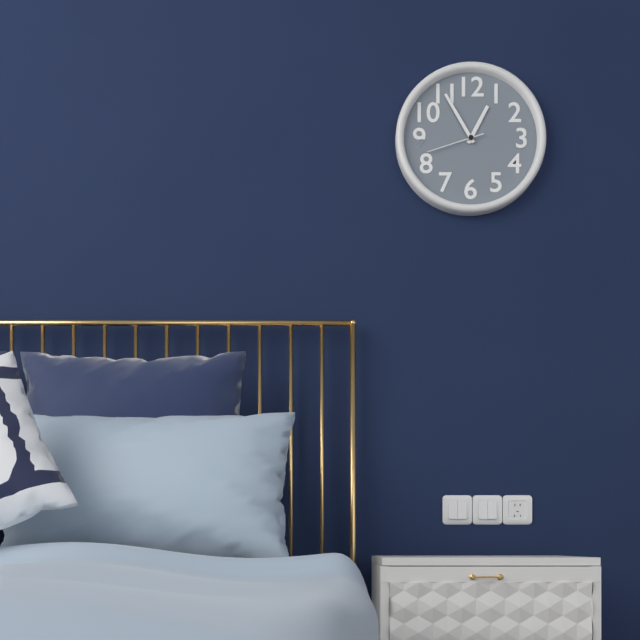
12:55:42
